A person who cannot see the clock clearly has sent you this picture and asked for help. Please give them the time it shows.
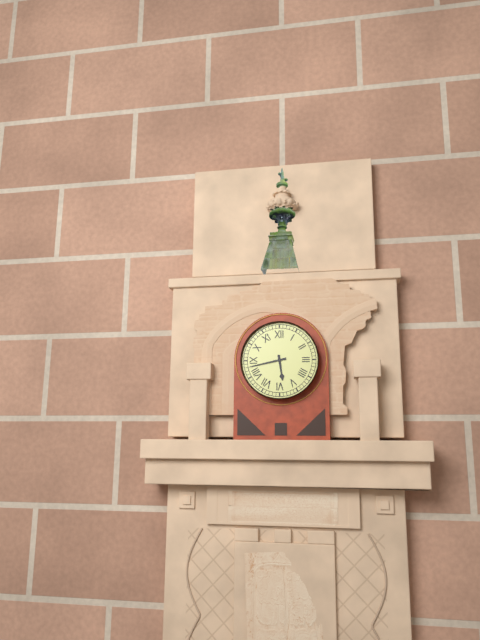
5:43
